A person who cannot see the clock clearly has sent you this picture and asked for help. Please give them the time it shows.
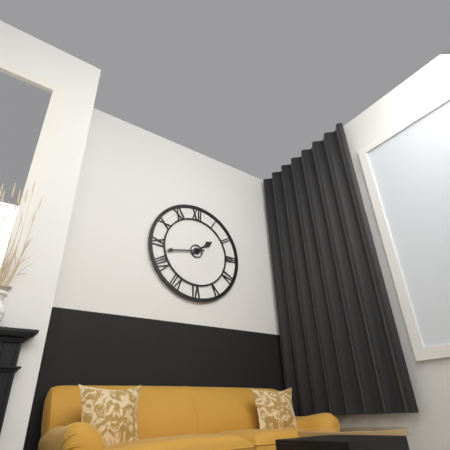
1:43
